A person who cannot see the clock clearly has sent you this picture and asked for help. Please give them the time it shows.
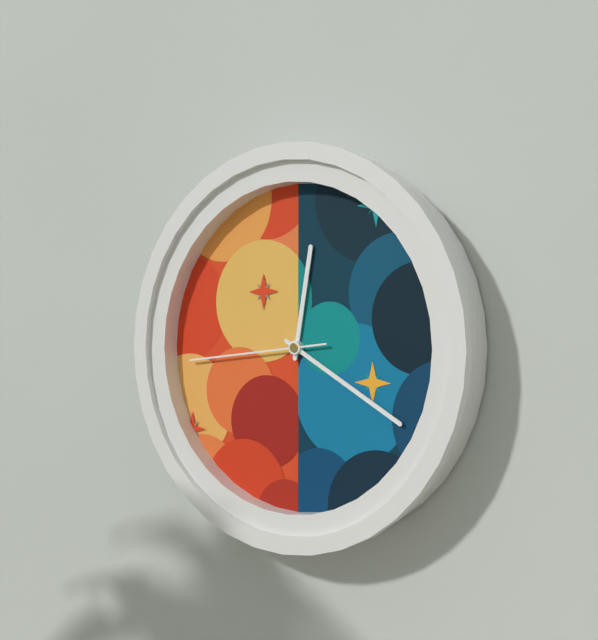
12:20:44
